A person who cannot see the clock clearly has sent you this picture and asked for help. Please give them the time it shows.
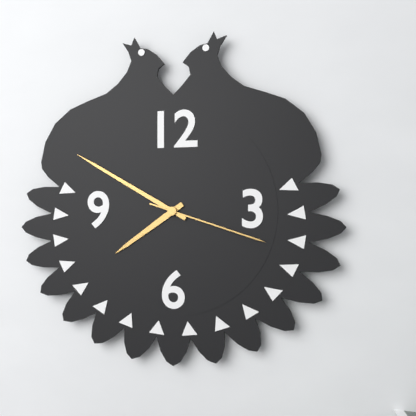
7:50:18
